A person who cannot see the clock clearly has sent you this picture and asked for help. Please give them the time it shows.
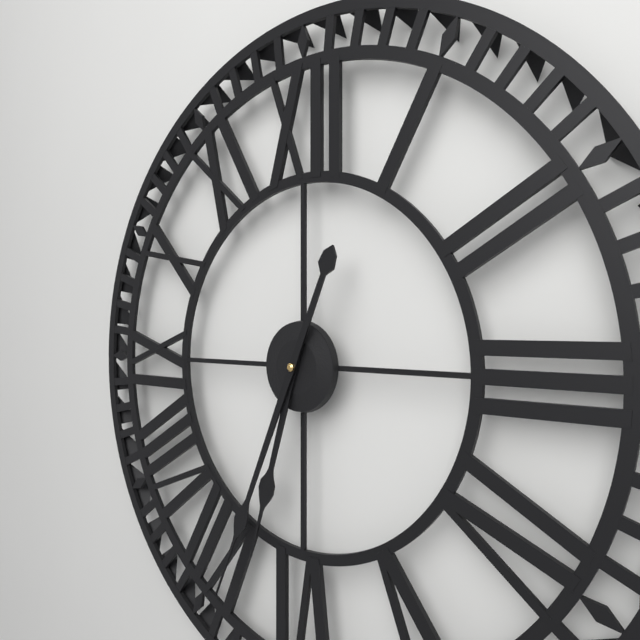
6:34
